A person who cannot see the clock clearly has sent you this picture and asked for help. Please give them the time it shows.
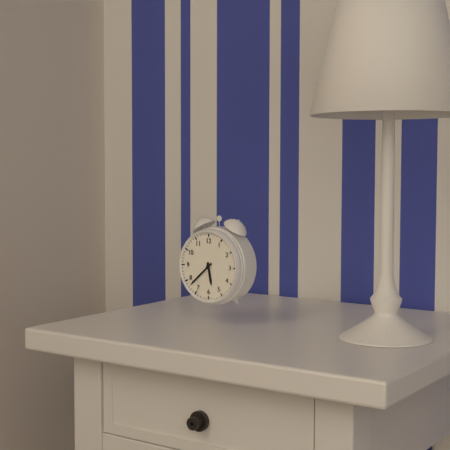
5:38
